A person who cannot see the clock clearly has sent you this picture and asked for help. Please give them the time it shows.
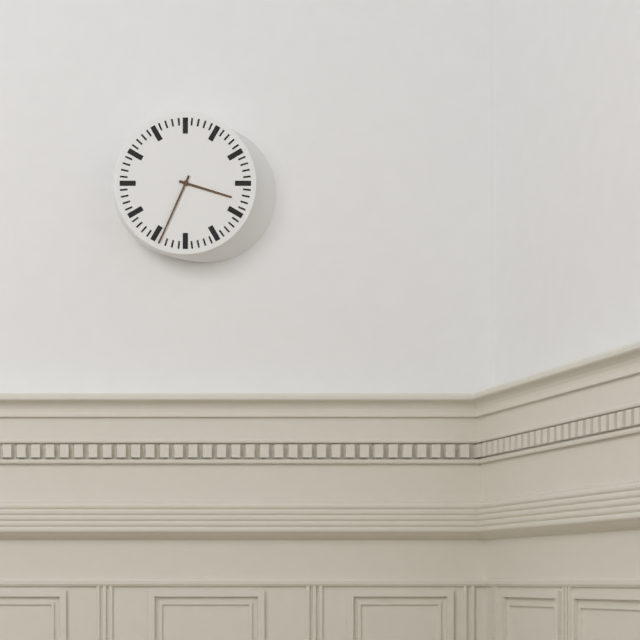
3:34
